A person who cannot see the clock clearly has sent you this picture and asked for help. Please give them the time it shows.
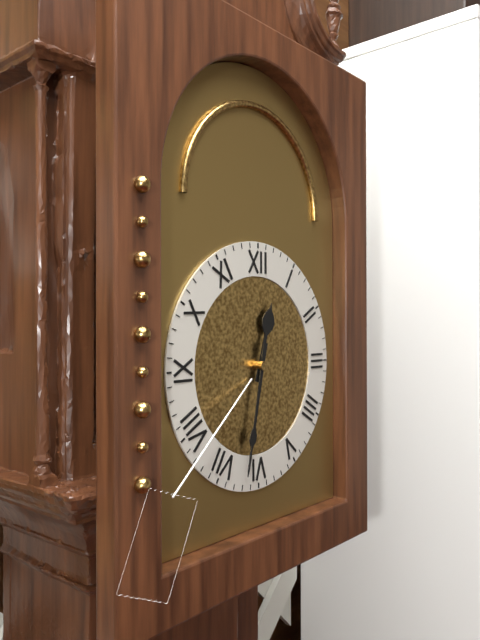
12:32
